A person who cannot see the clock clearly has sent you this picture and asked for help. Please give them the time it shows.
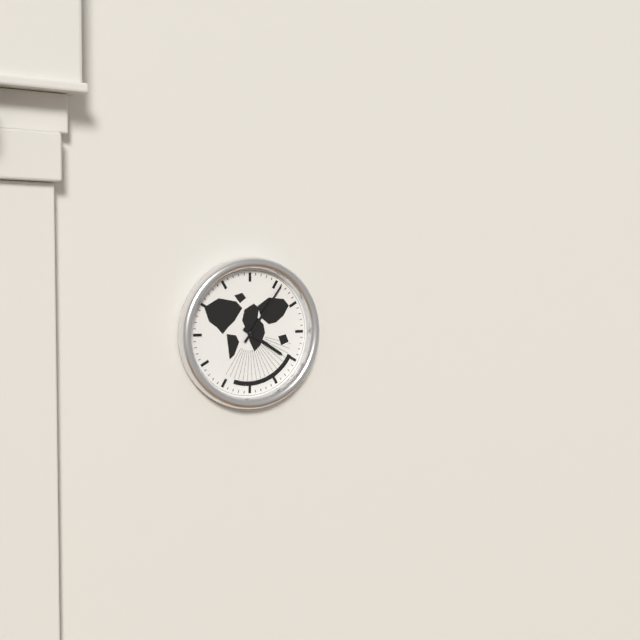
4:06
